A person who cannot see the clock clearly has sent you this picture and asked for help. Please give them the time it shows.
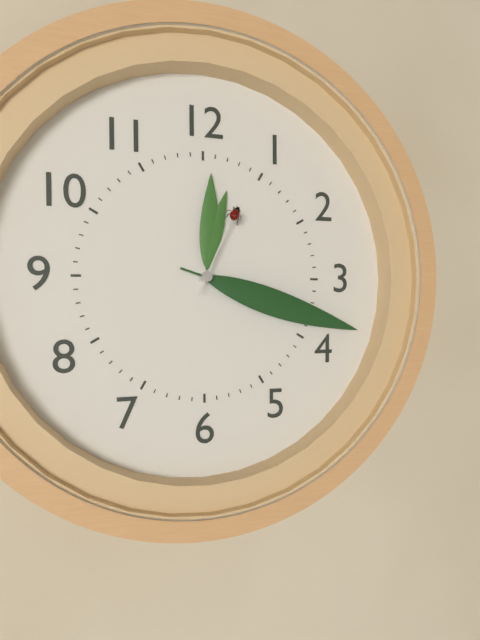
12:18:04
